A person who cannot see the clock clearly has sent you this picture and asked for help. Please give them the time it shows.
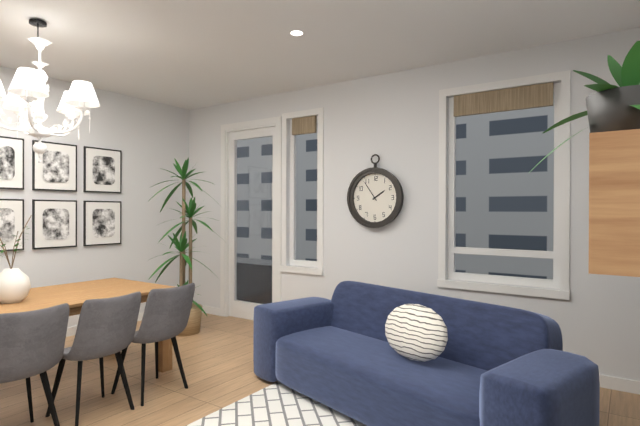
1:54
